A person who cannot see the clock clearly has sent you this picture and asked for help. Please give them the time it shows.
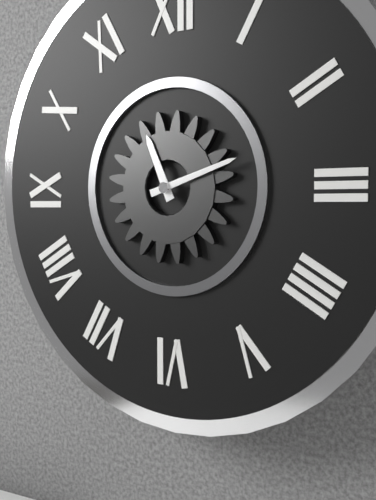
11:12
